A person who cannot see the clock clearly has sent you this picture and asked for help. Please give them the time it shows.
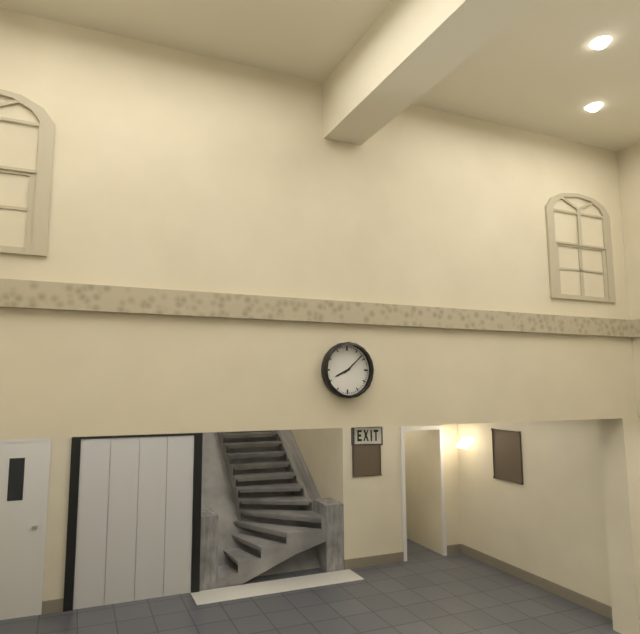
8:08
